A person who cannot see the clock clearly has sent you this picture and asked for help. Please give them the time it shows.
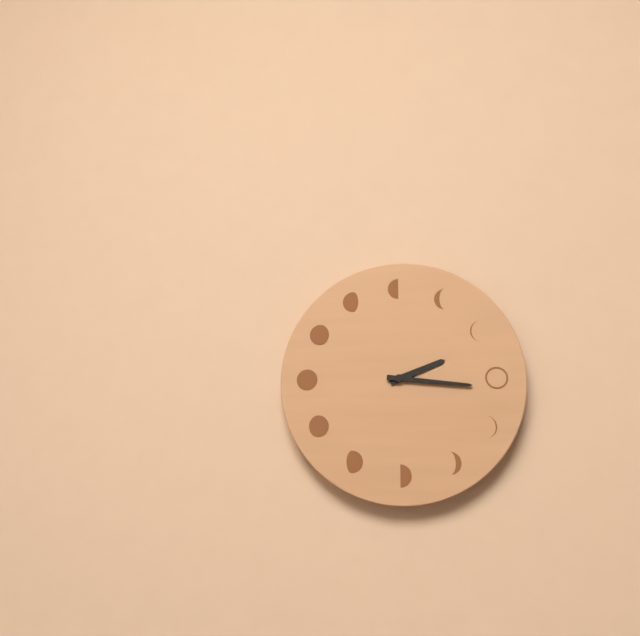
2:16
